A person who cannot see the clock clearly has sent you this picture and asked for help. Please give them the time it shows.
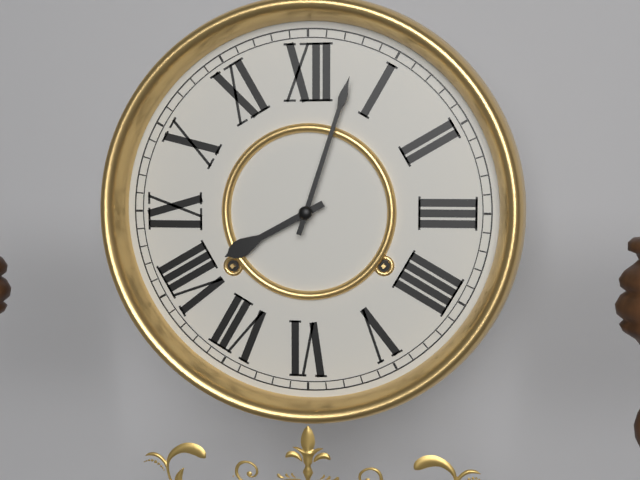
8:03
